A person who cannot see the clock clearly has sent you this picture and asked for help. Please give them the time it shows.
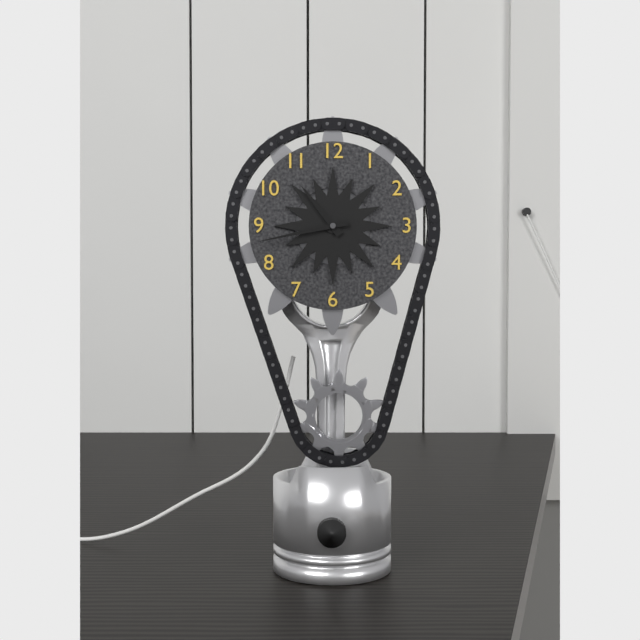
10:43
